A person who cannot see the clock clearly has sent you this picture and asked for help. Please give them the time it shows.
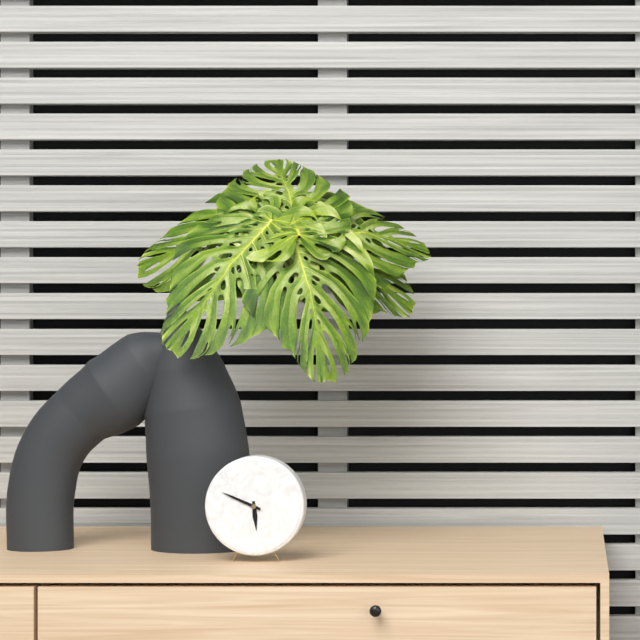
5:49
